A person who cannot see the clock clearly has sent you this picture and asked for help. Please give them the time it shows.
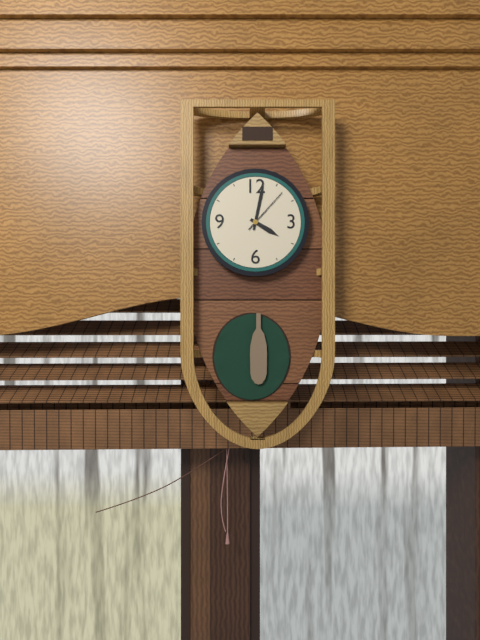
4:02
